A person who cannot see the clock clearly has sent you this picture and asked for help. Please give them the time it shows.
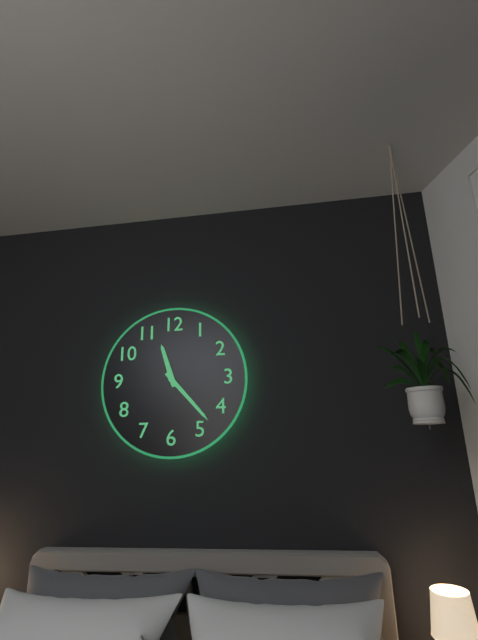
11:23
